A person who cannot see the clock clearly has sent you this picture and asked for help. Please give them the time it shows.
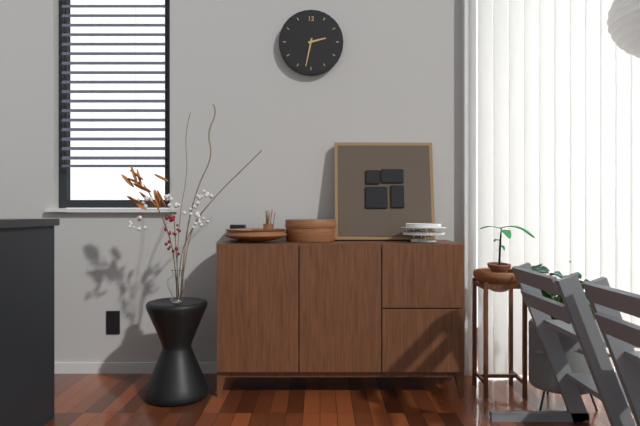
2:32
